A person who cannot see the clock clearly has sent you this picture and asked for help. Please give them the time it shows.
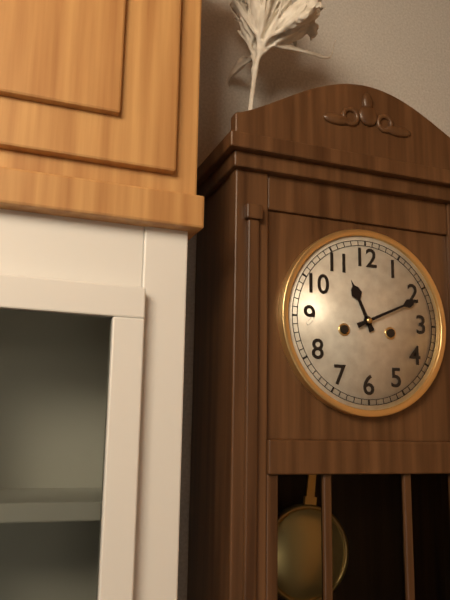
11:11
